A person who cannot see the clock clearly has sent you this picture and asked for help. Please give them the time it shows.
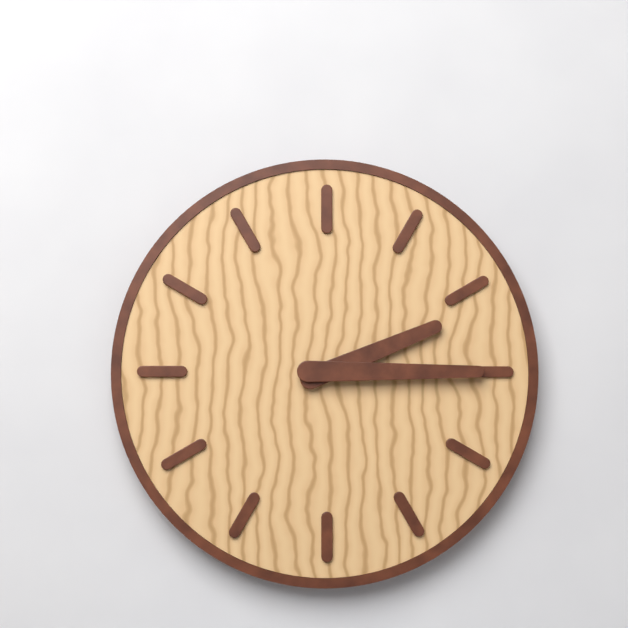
2:15
